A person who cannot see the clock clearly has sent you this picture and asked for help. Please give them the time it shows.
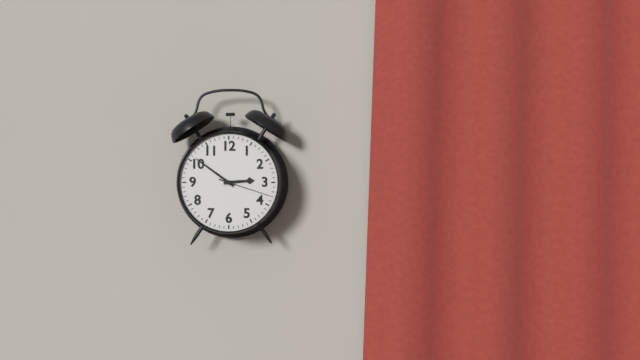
2:51:18
